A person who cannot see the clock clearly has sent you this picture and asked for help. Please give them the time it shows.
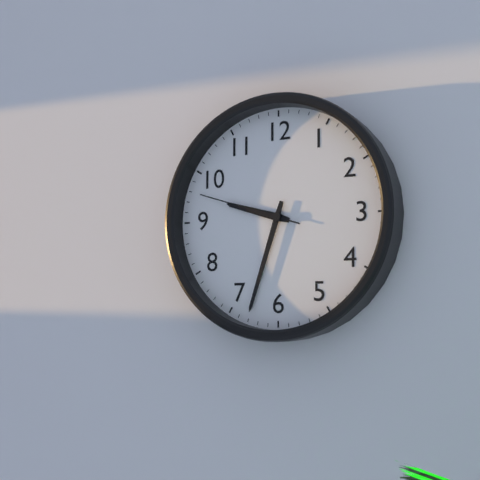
9:33:48
